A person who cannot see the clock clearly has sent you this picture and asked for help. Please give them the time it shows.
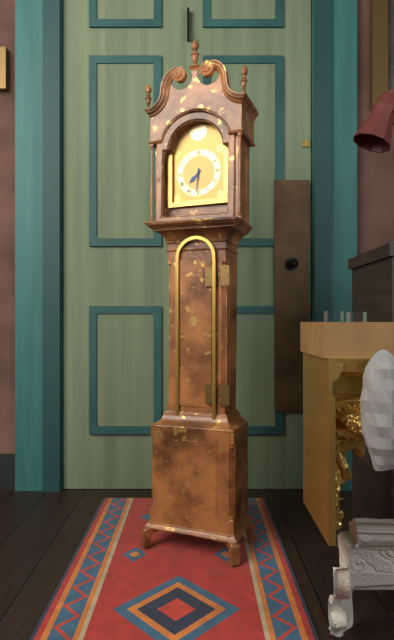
7:31
